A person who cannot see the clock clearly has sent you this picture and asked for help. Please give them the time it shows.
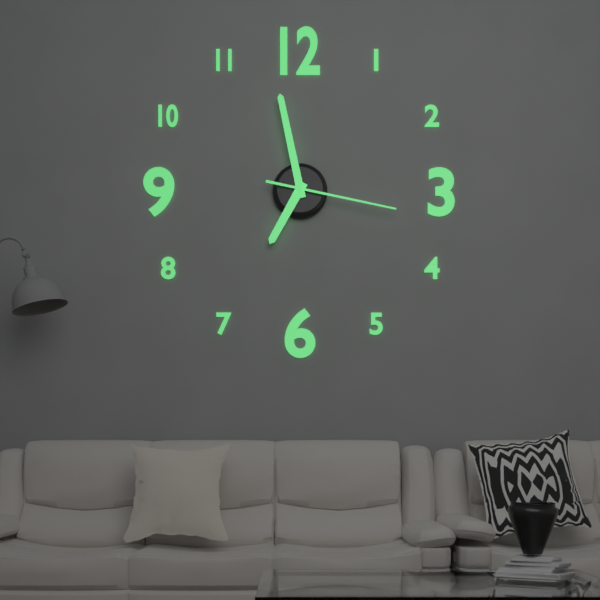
6:58:17
